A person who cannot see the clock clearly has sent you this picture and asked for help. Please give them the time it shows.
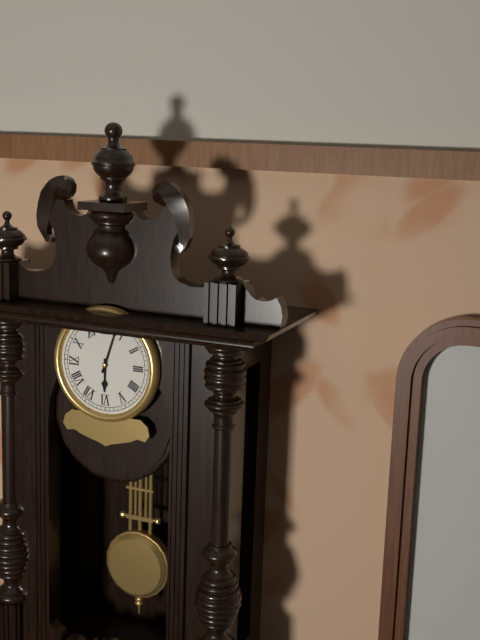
6:03
